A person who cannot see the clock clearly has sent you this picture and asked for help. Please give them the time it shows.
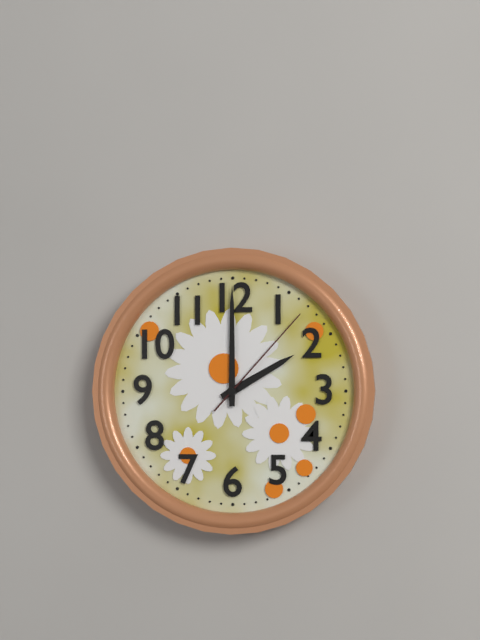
2:00:07
